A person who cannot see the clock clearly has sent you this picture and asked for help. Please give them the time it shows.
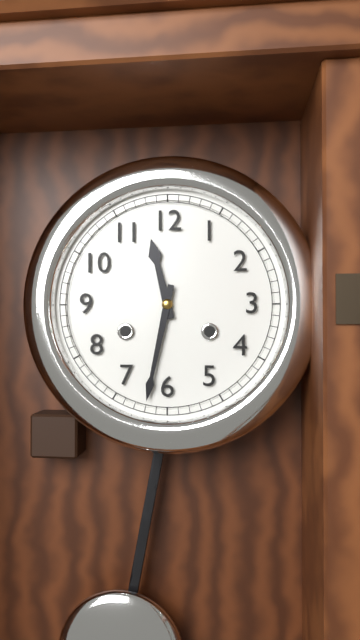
11:32
